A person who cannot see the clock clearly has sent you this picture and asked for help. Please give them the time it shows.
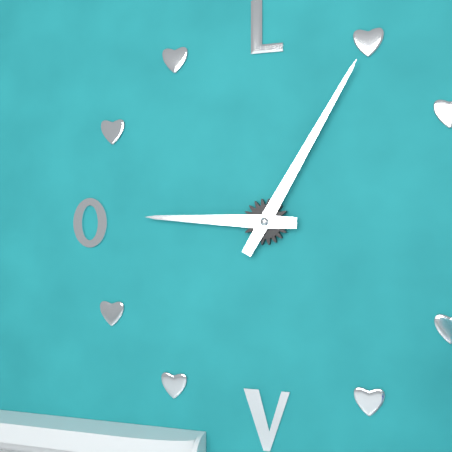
9:05
